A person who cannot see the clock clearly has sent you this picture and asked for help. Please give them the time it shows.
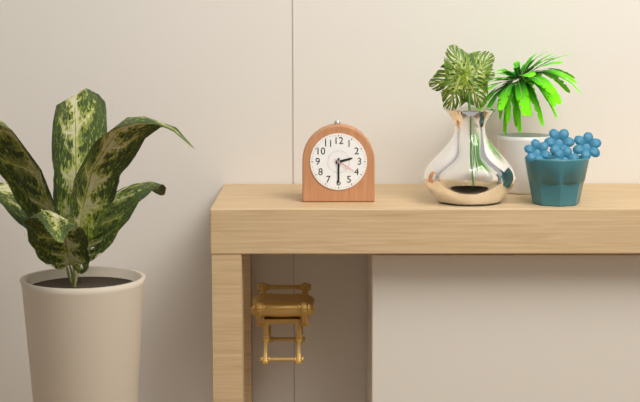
2:30
